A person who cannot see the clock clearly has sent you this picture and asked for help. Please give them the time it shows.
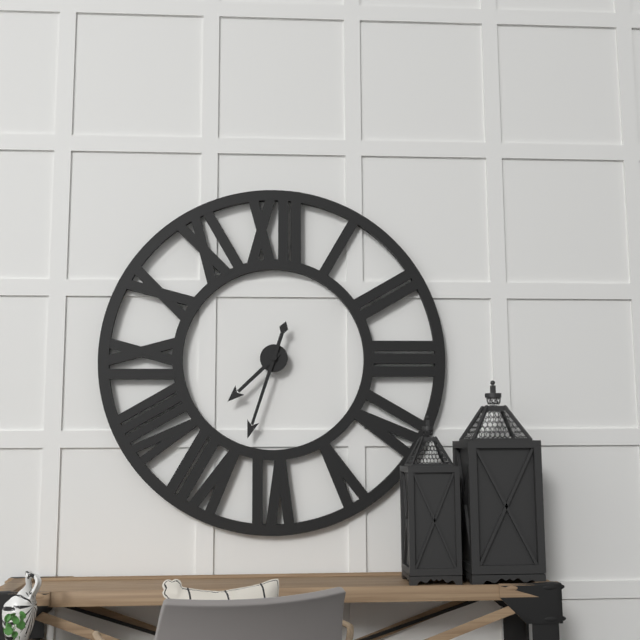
7:33
